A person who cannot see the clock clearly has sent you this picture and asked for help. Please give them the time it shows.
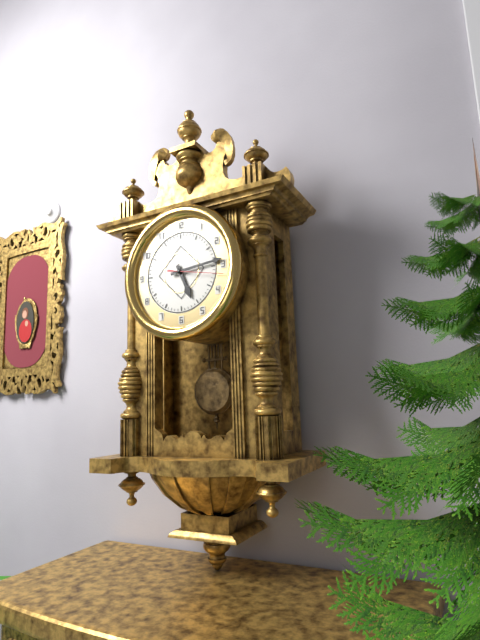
5:14:17
